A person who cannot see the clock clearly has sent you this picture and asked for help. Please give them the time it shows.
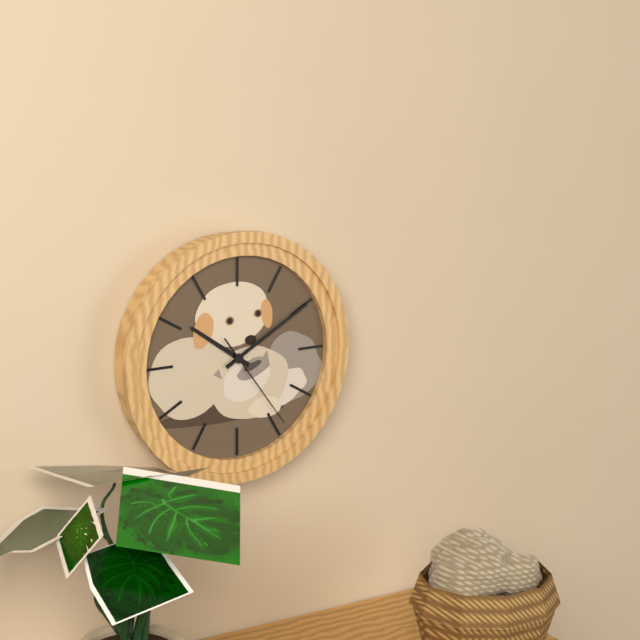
10:10:24
